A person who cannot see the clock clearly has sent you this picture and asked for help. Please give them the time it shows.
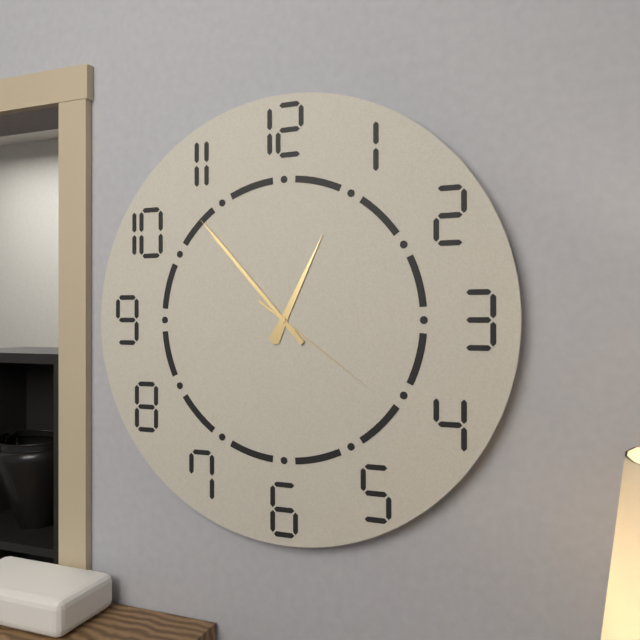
12:53:21
